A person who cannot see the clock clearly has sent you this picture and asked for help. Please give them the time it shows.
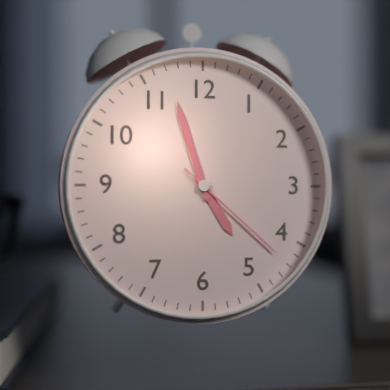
4:57:22
